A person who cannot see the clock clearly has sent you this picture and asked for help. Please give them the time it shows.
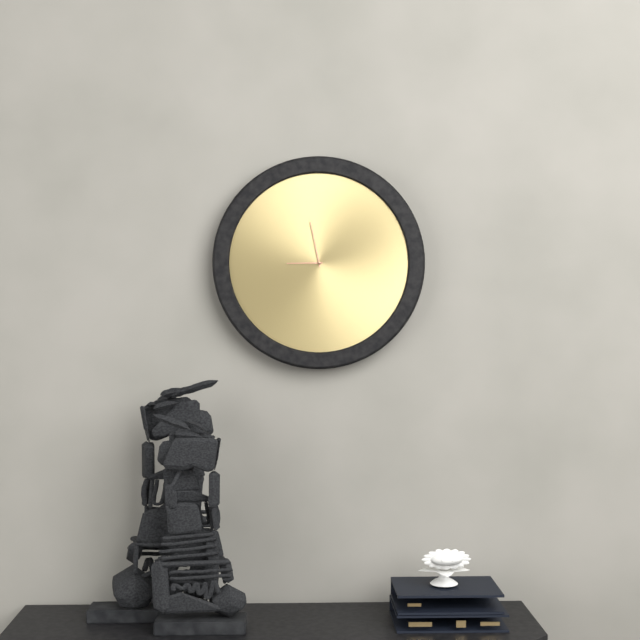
8:58
